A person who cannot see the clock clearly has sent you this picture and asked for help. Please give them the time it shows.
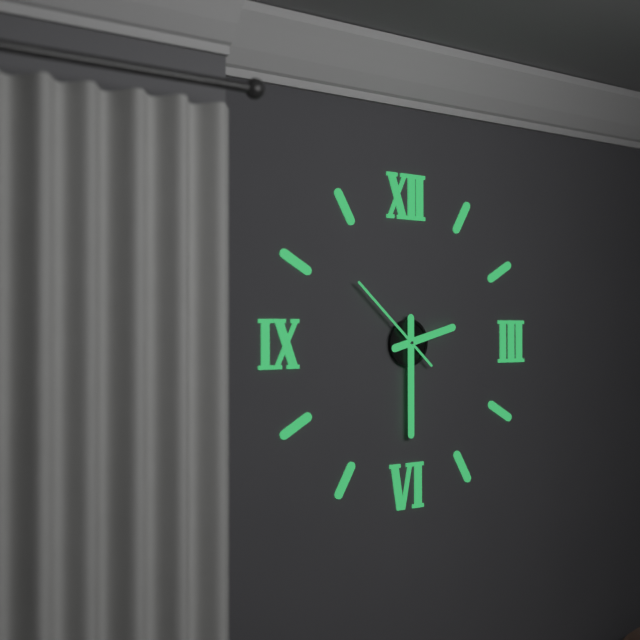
2:30:52
